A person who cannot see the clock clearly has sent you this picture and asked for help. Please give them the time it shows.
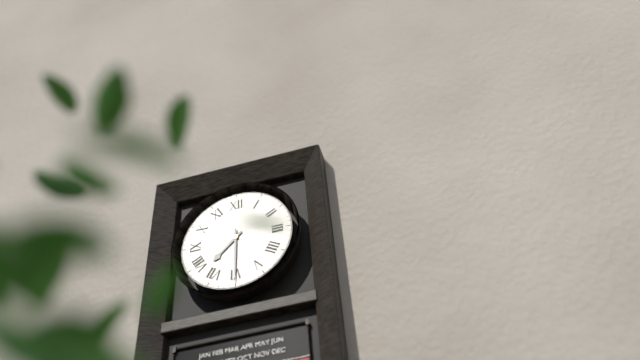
7:30
